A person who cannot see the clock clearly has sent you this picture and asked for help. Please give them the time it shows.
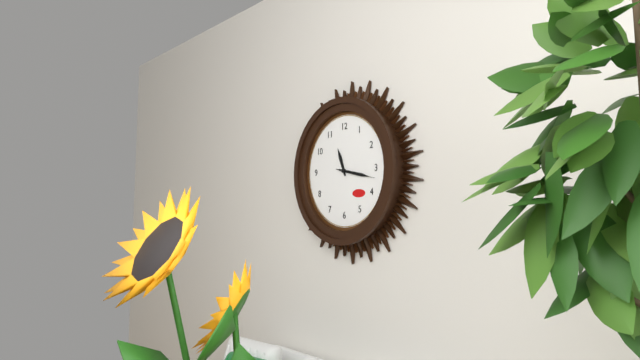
11:17
